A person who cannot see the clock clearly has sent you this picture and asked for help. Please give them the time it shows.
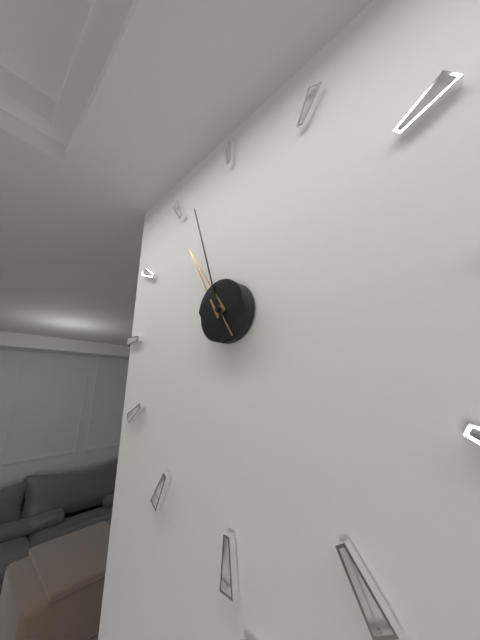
10:57
